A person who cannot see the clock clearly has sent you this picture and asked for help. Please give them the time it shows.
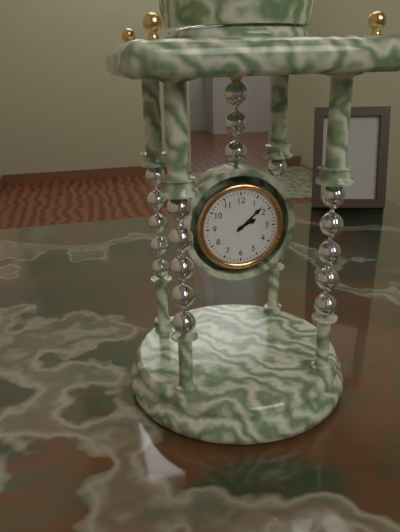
2:08
